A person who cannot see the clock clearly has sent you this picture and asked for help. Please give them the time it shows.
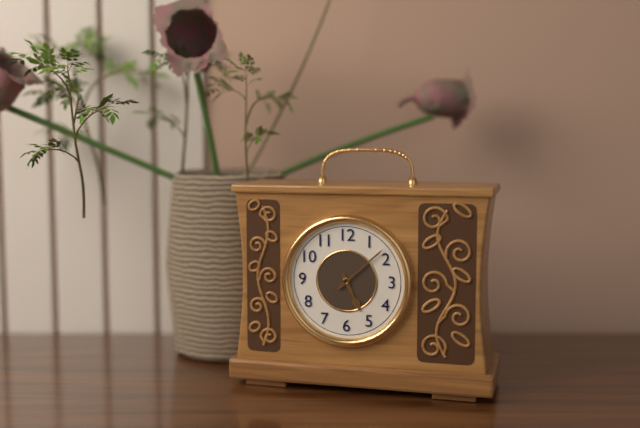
5:08
